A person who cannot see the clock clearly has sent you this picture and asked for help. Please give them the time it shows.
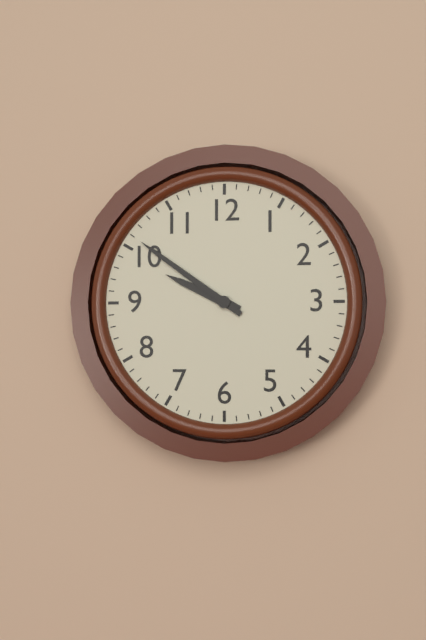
9:51
